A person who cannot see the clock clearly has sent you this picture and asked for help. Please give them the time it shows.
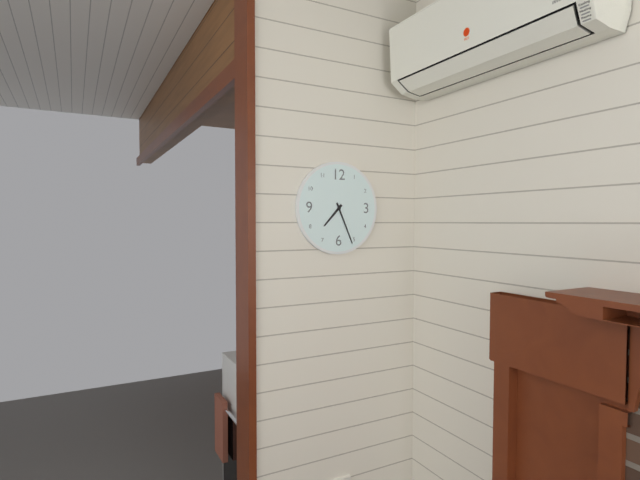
7:26
